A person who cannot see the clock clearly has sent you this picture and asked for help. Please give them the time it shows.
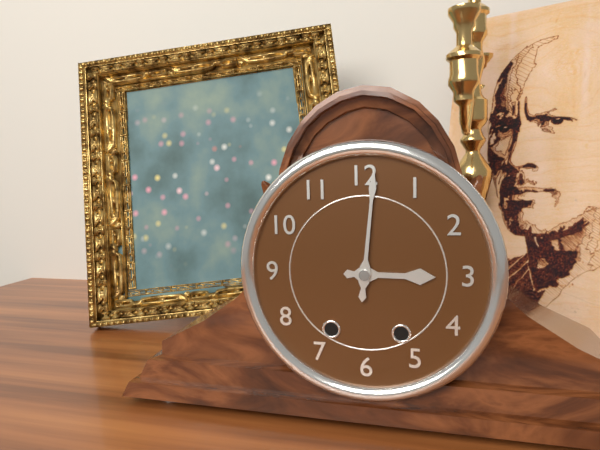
3:01
